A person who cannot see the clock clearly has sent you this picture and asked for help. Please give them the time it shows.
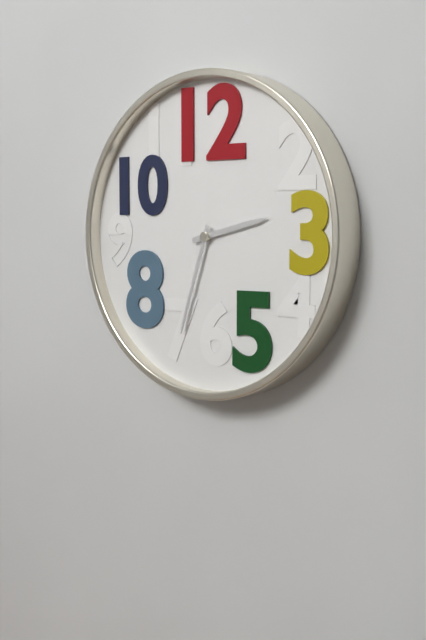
2:33
